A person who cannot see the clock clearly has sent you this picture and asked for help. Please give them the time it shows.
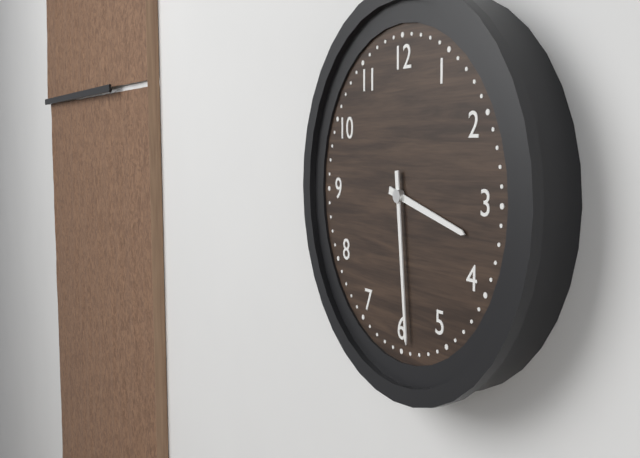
3:29
